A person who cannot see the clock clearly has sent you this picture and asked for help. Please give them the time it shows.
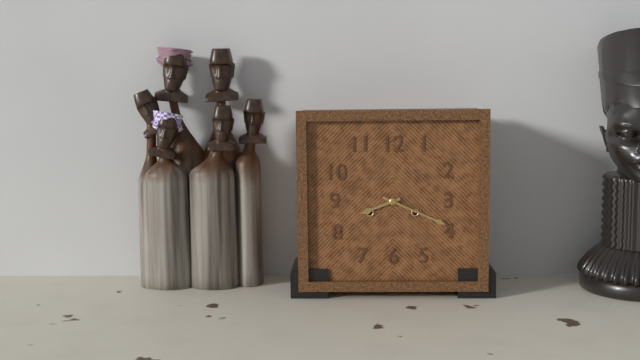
8:19
